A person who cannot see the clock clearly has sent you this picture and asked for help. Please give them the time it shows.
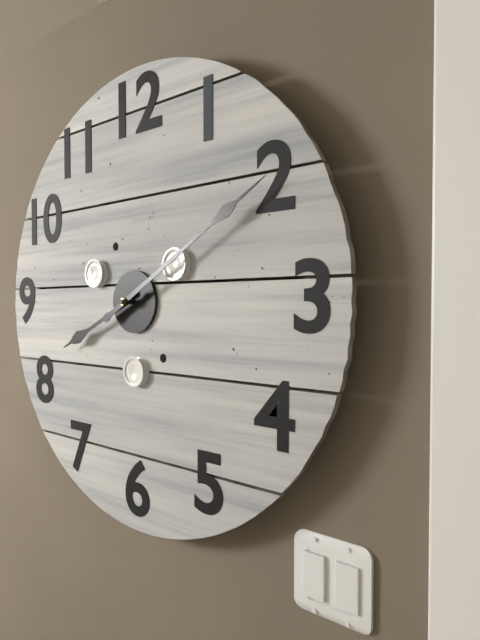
8:10
